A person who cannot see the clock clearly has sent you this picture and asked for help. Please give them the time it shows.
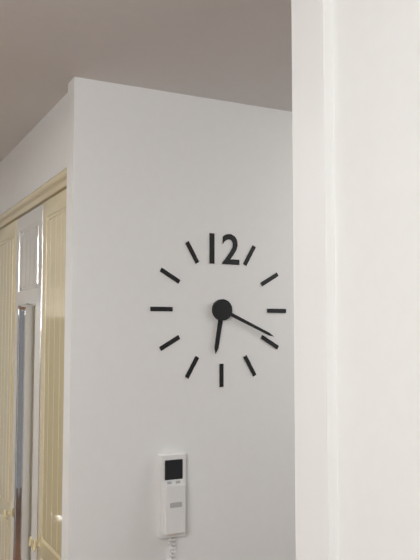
6:19
